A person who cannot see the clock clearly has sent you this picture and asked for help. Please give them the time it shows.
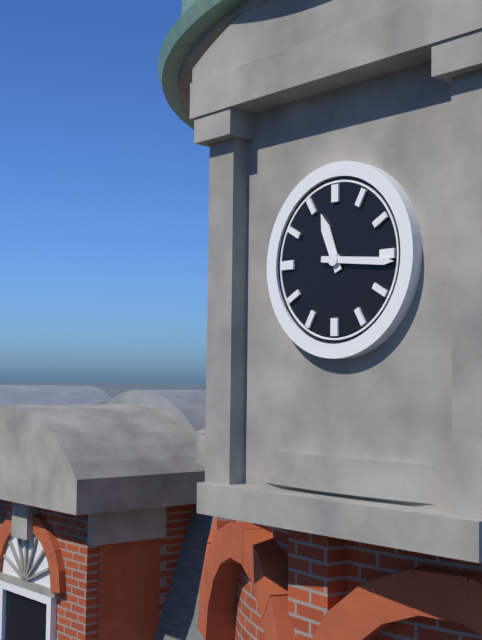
11:16
